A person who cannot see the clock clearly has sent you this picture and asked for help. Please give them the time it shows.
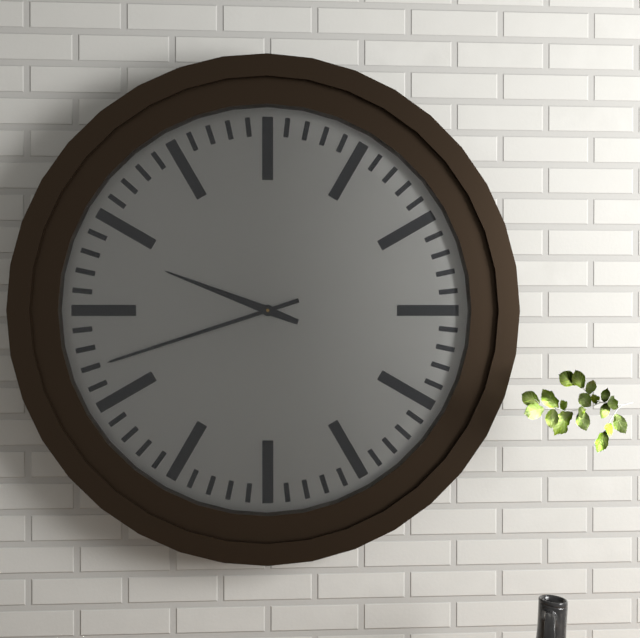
9:42
